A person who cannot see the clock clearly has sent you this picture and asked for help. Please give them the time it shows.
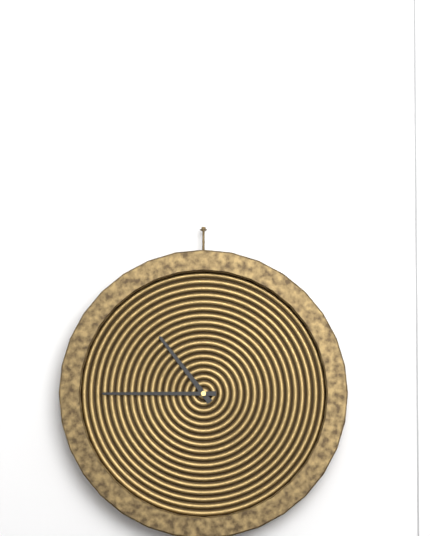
10:45
